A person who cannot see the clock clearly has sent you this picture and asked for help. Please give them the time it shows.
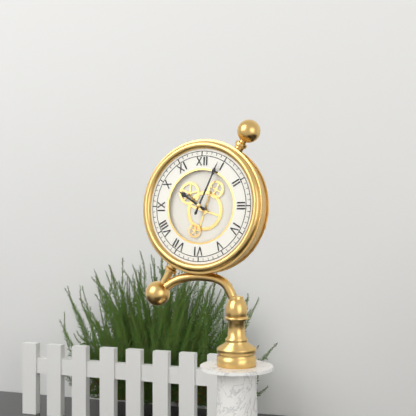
10:04
